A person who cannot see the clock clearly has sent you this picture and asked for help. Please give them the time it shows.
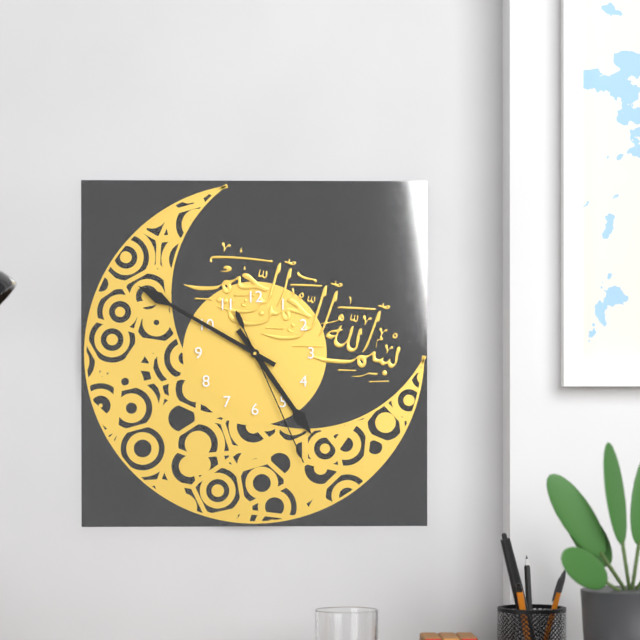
4:50:26
